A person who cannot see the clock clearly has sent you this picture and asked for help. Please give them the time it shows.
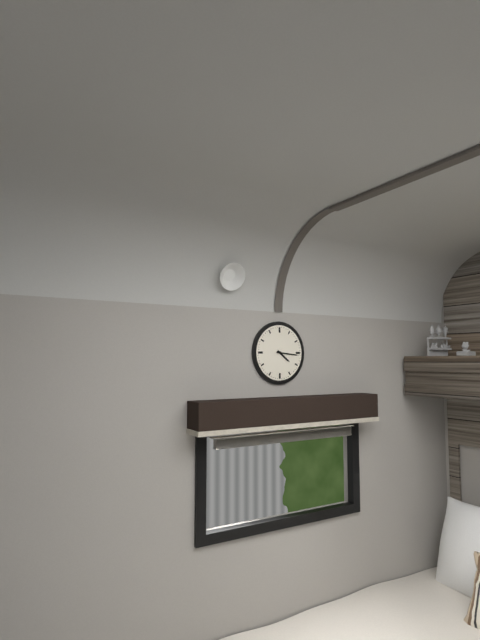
4:16
